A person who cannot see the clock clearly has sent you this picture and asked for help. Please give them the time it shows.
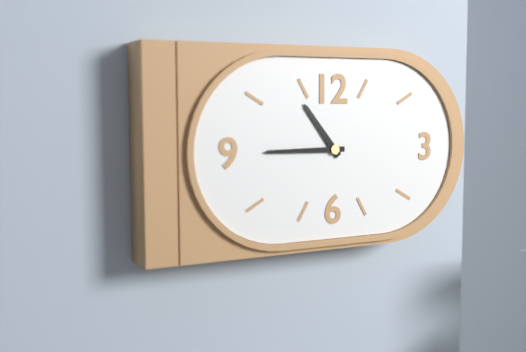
10:45
